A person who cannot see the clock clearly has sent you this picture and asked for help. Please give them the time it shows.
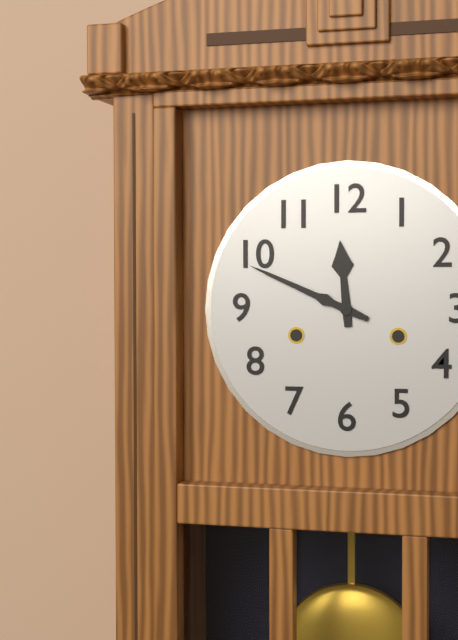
11:49
